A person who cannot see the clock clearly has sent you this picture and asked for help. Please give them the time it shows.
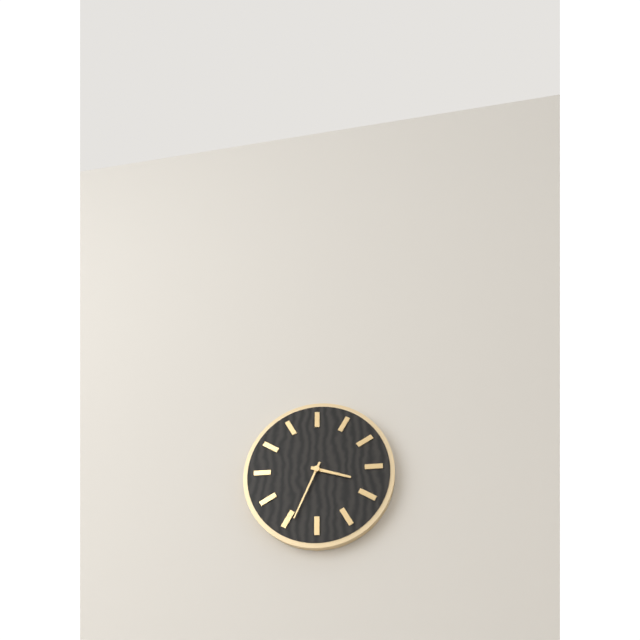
3:34
